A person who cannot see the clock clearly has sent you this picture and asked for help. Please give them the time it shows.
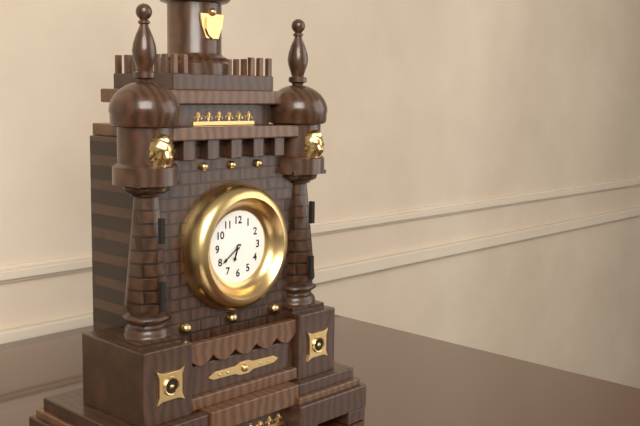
6:39
